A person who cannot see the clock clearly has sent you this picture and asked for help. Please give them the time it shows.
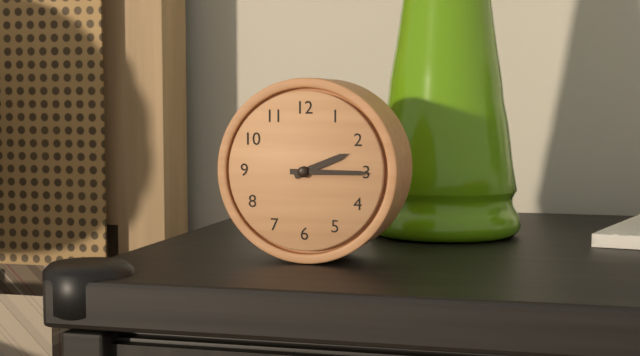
2:15
